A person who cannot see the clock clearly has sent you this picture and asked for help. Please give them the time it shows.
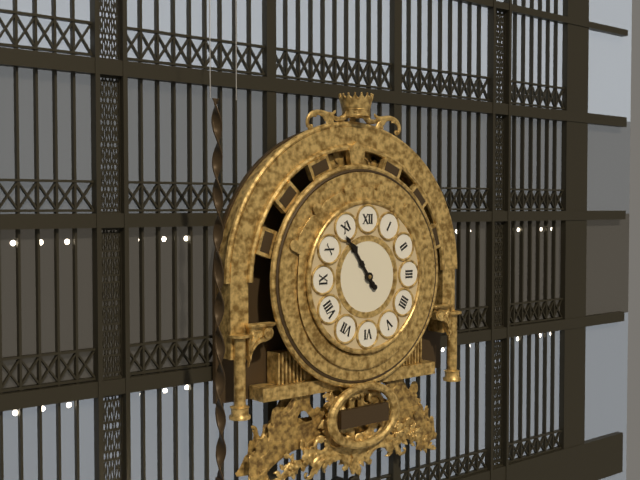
10:54
